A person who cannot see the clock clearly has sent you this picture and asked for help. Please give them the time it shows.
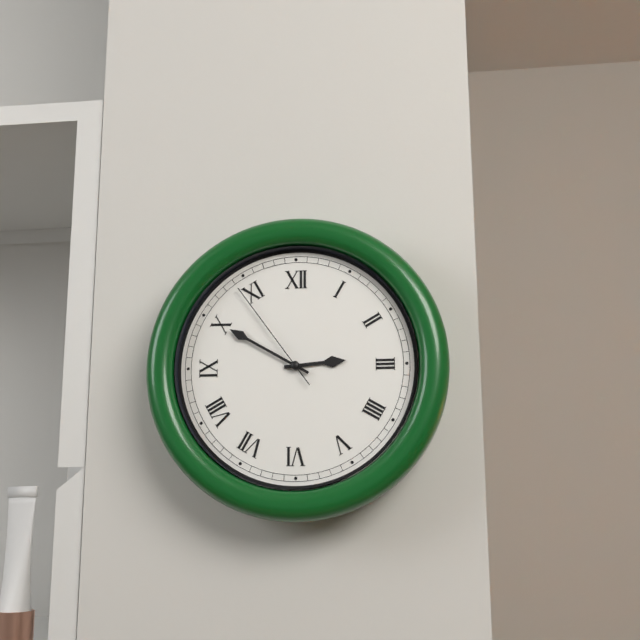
2:50:54
